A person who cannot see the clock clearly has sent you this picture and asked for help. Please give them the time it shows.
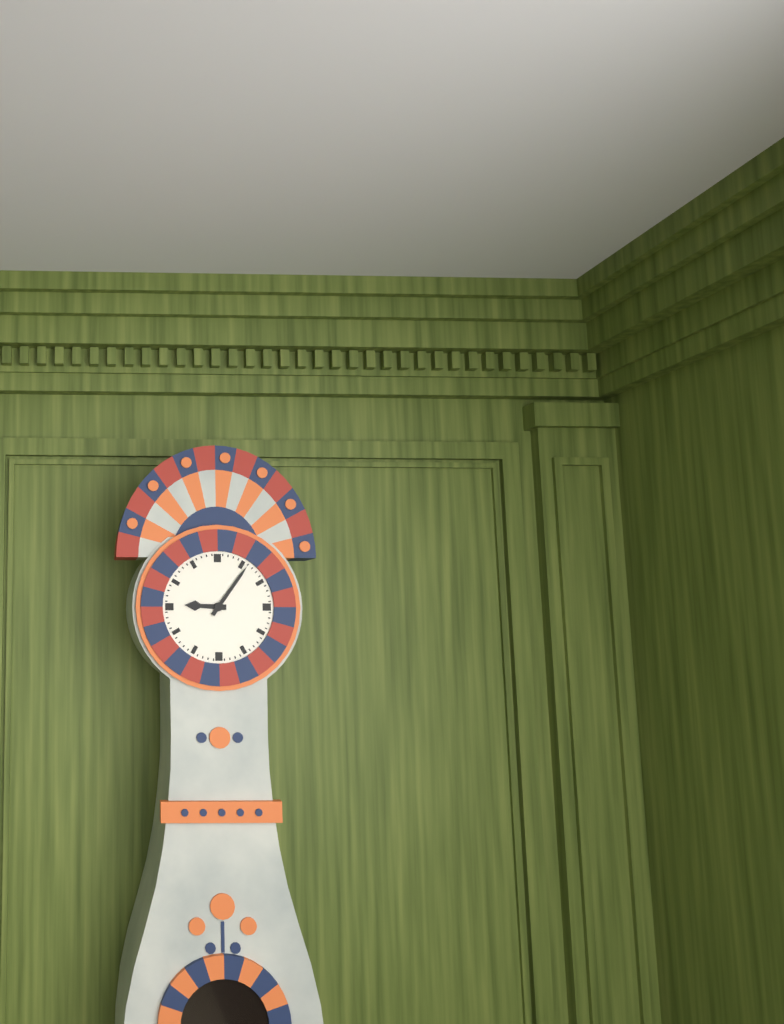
9:06
